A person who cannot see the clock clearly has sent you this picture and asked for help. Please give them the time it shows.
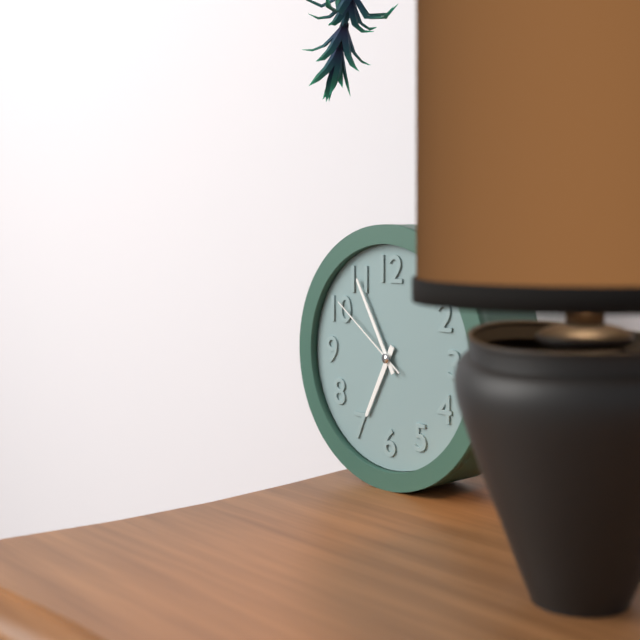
6:55:51
